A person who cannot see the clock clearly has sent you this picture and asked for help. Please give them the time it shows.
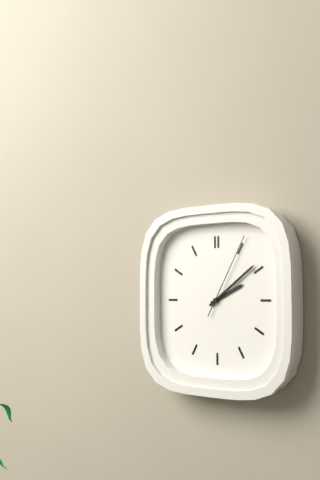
2:09:05
